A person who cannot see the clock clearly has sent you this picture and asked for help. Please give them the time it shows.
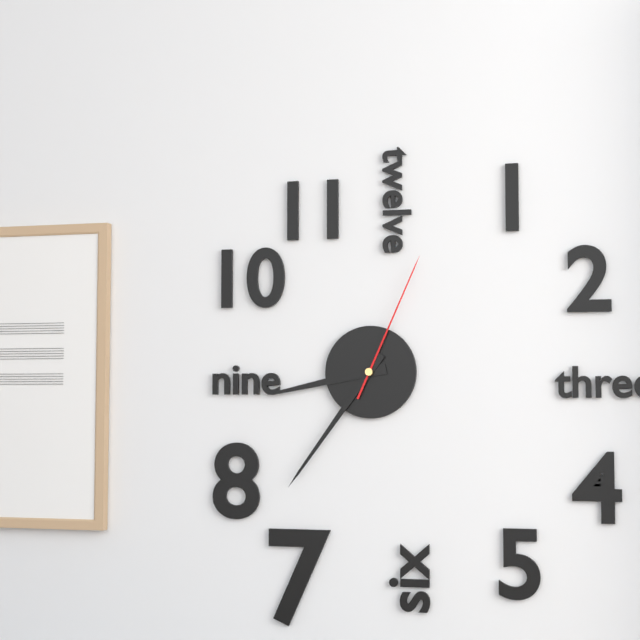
8:36:04
